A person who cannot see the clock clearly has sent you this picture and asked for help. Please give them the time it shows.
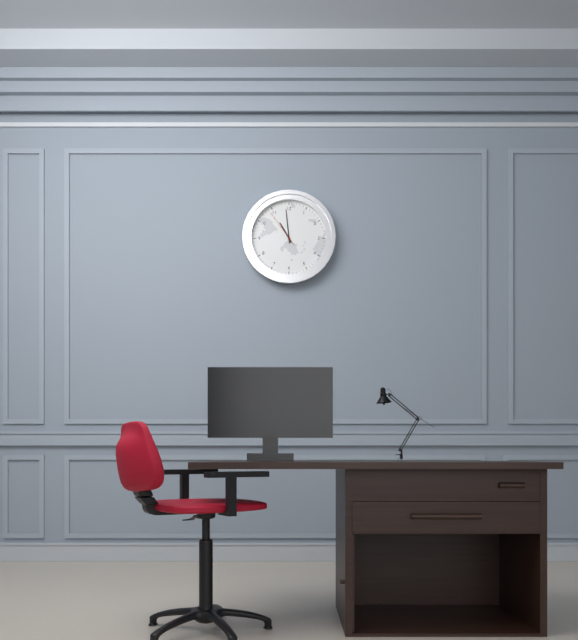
10:59
